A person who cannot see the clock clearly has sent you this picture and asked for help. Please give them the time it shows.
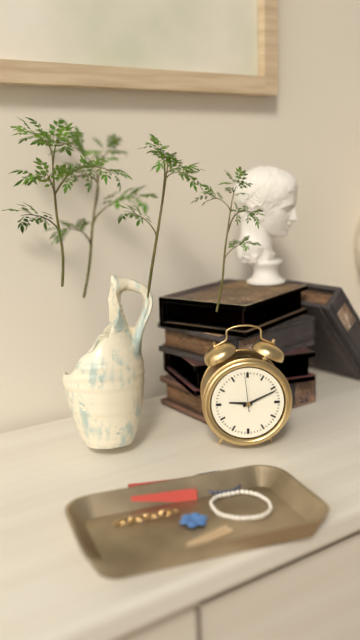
9:11
